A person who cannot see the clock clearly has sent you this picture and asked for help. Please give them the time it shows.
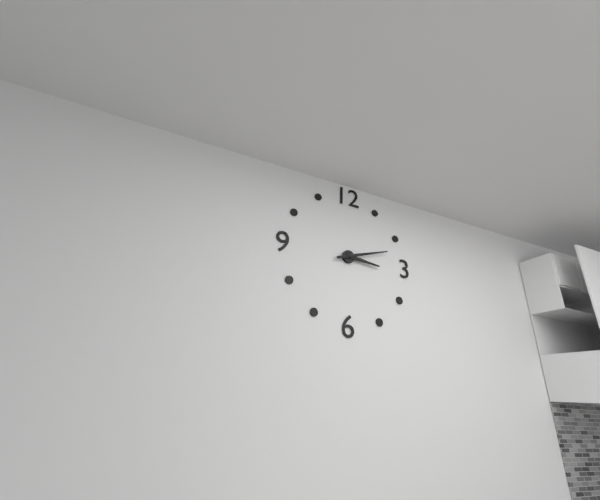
3:12
